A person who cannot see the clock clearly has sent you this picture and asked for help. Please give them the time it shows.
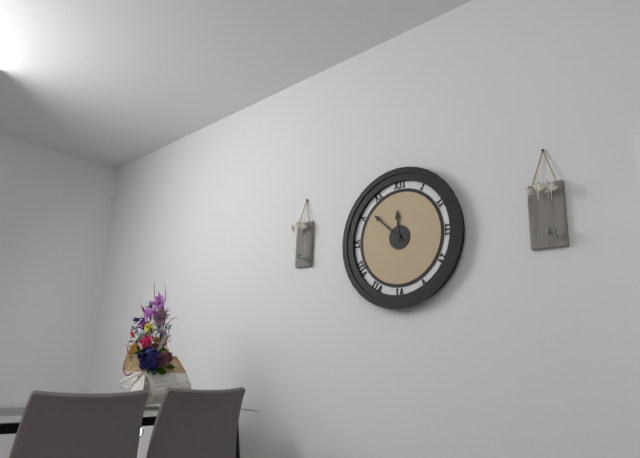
11:52
